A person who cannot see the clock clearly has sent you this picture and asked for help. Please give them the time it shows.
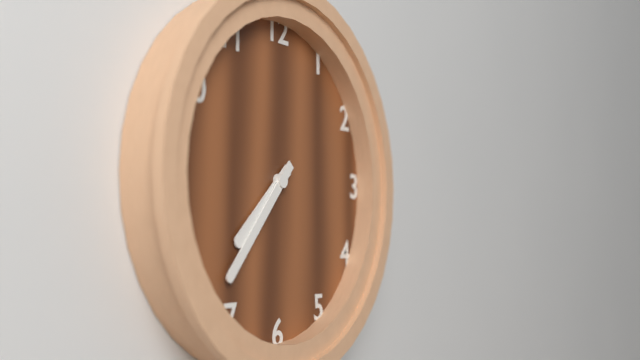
7:37
